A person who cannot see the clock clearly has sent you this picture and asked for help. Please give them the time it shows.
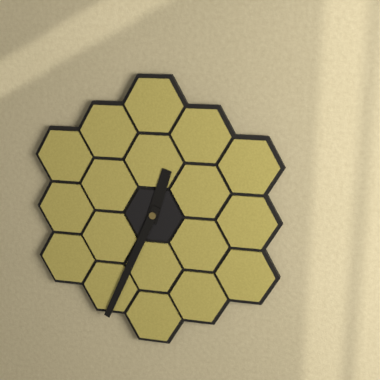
12:34
